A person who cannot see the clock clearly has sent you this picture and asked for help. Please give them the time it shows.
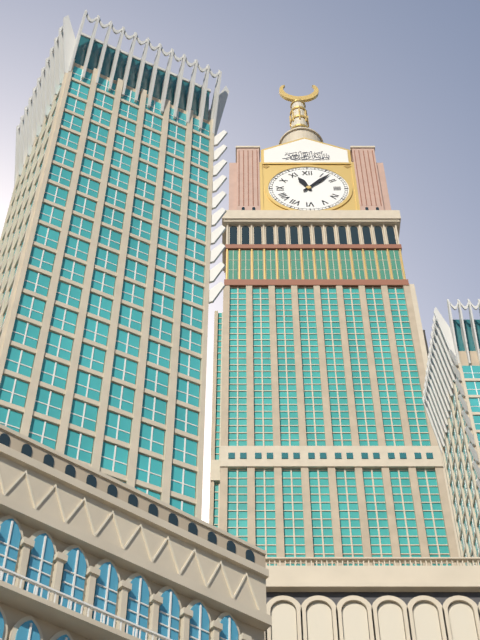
11:07
